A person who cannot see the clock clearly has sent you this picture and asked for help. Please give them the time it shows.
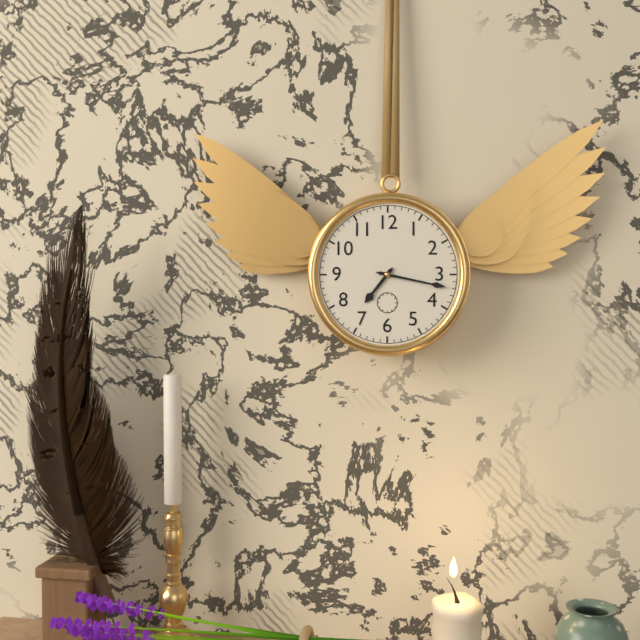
7:17
